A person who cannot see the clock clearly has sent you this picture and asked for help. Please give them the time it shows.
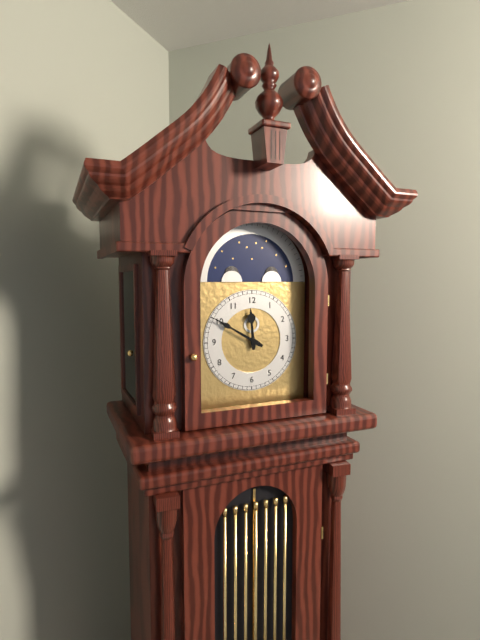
11:50
